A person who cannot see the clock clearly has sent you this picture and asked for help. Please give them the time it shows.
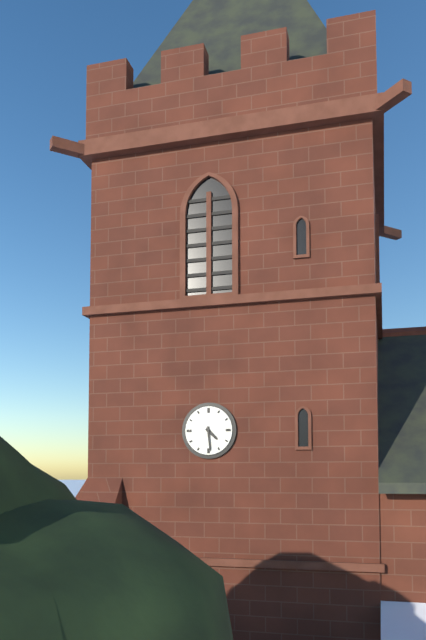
4:29
